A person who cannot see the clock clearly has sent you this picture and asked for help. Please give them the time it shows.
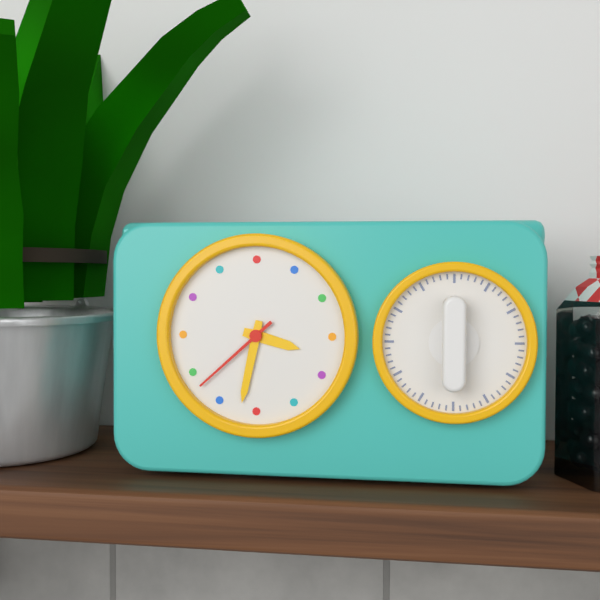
3:32:38
